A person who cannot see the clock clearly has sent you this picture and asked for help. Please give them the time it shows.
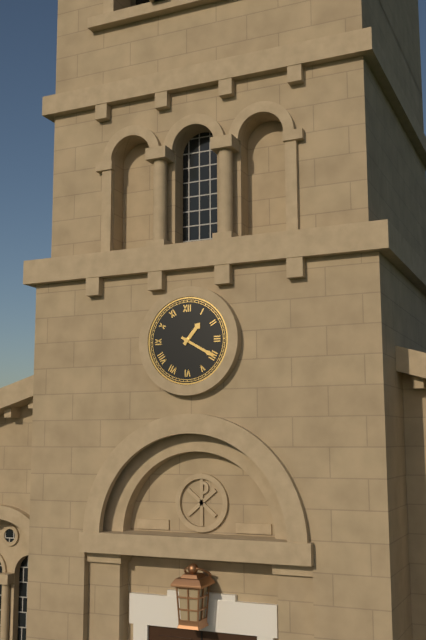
1:20
